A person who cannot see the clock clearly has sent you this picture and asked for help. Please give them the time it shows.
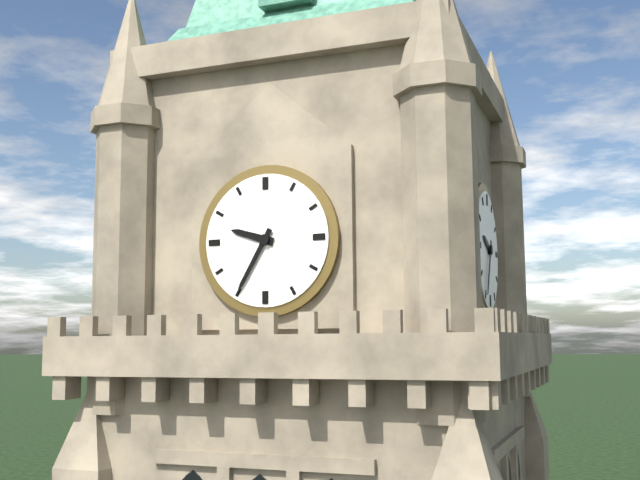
9:35
